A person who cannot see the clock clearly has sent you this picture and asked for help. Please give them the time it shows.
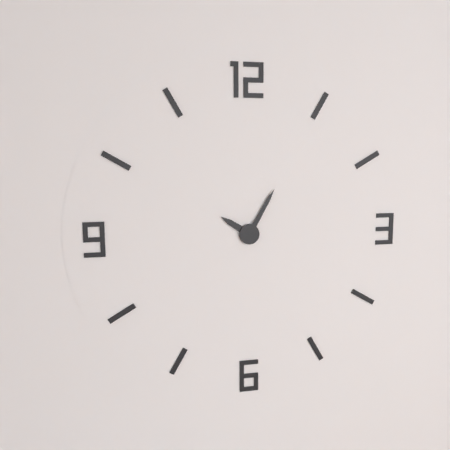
10:05
